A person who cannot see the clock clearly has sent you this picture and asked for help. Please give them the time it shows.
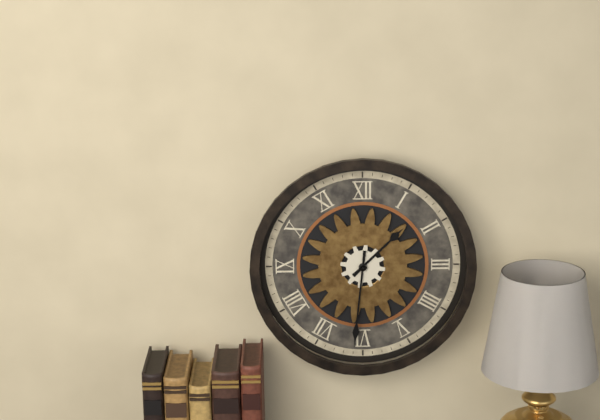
1:31
